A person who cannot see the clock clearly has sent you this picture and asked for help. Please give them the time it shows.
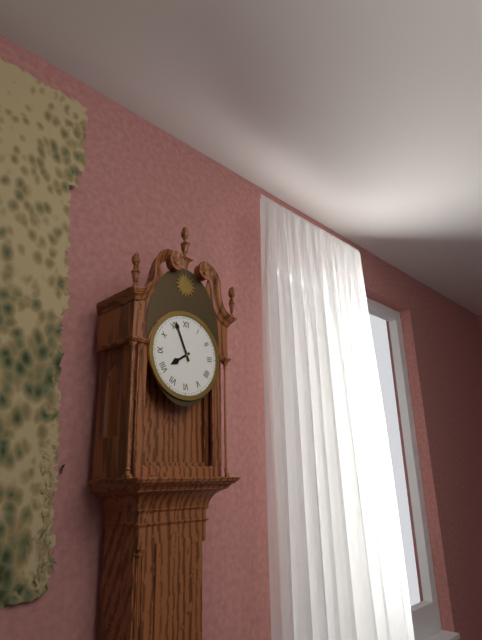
7:56
